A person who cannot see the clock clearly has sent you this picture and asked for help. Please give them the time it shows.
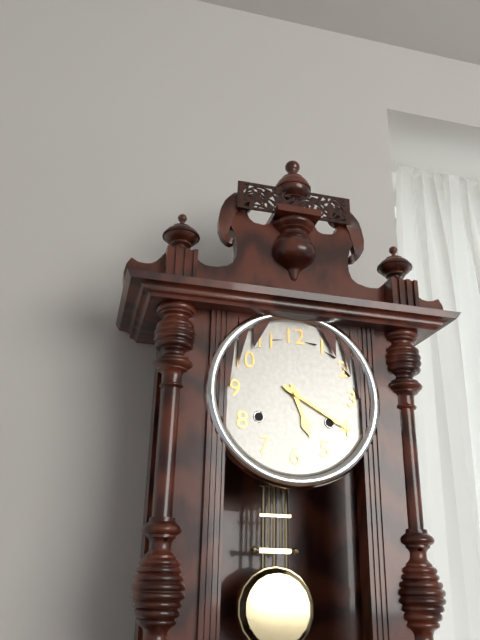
5:20
